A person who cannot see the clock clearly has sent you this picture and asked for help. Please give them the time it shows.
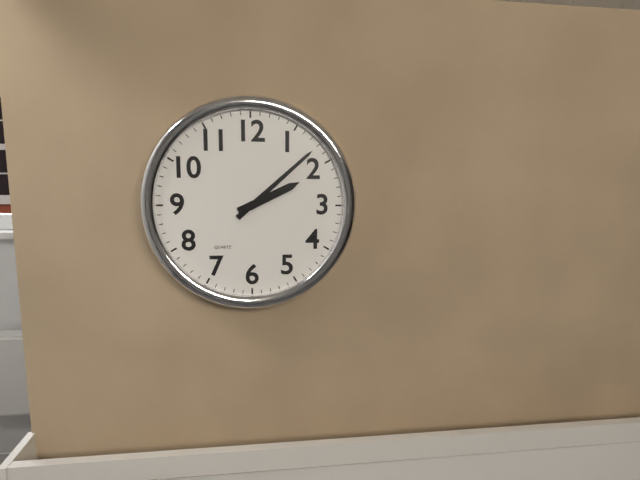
2:08
